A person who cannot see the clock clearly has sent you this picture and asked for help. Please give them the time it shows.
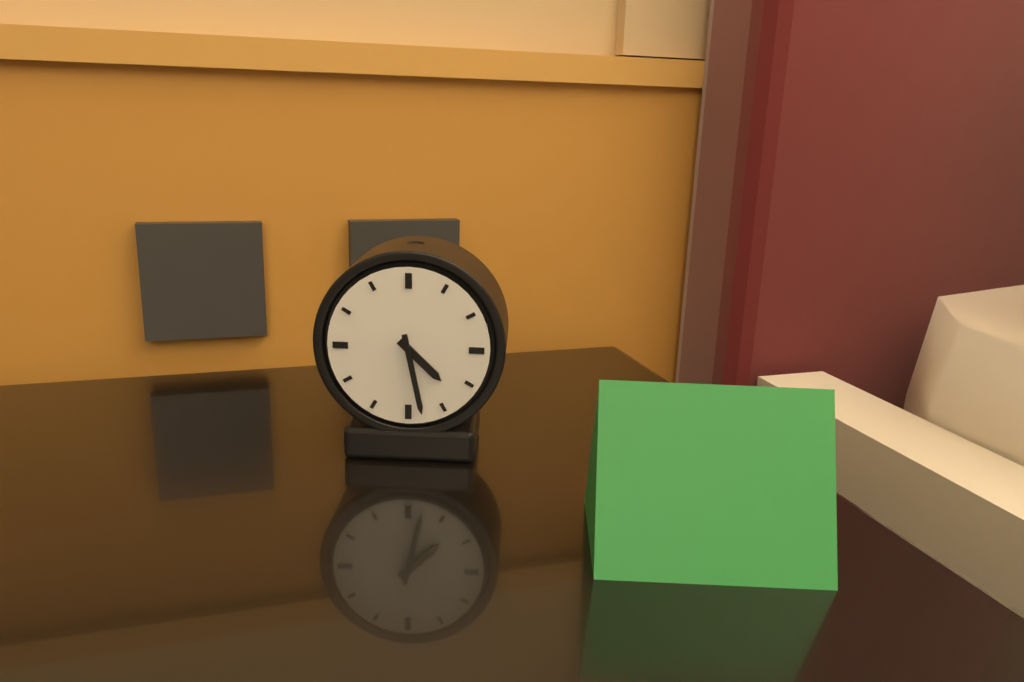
4:28
